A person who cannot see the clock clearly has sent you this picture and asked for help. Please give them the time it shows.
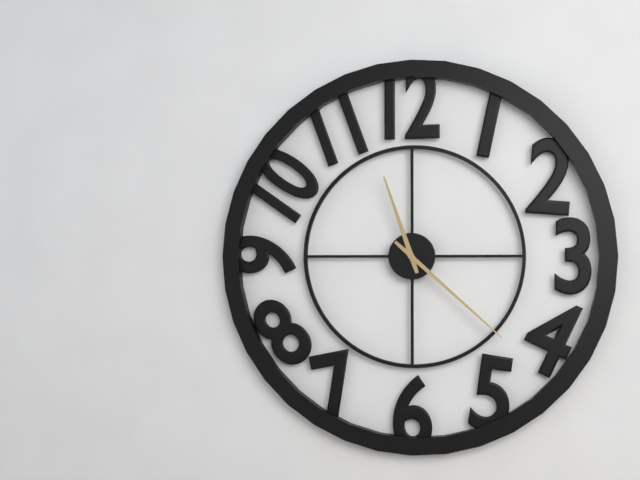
11:22
